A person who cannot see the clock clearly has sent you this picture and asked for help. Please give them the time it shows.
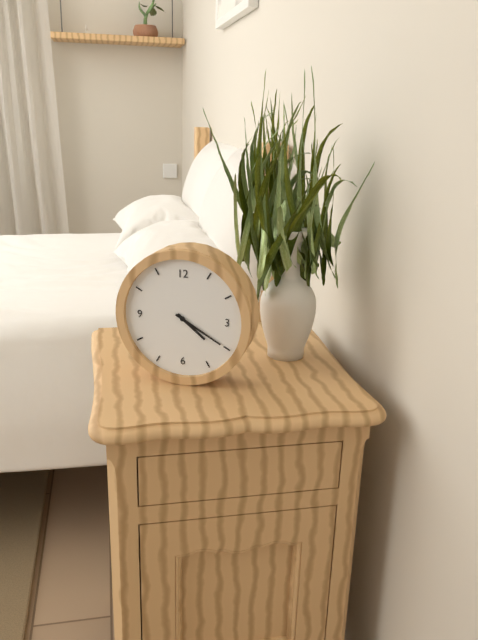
4:20
